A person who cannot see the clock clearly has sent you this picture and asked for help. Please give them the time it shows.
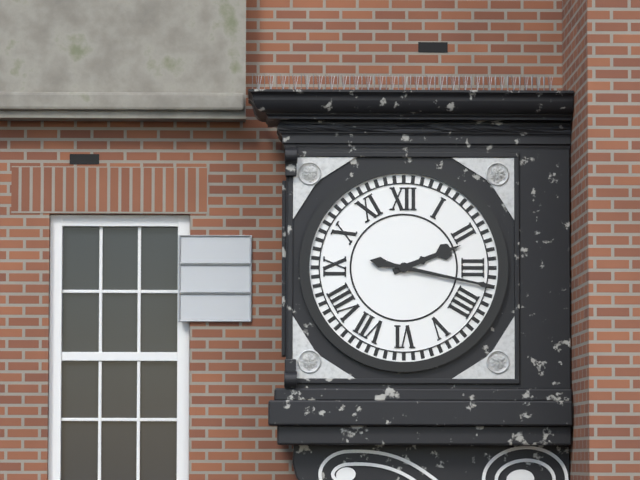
2:17
